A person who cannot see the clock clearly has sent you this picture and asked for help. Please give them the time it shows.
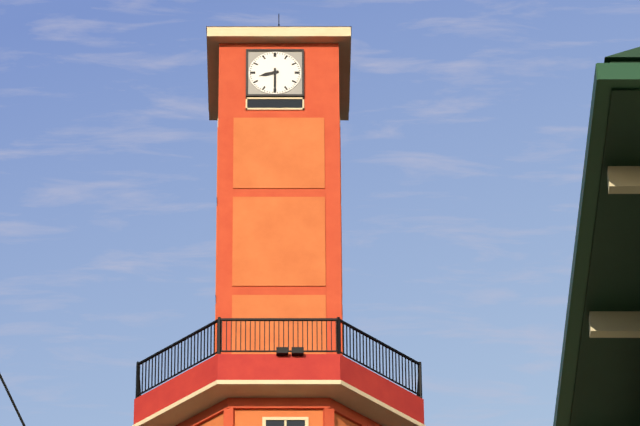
8:30
